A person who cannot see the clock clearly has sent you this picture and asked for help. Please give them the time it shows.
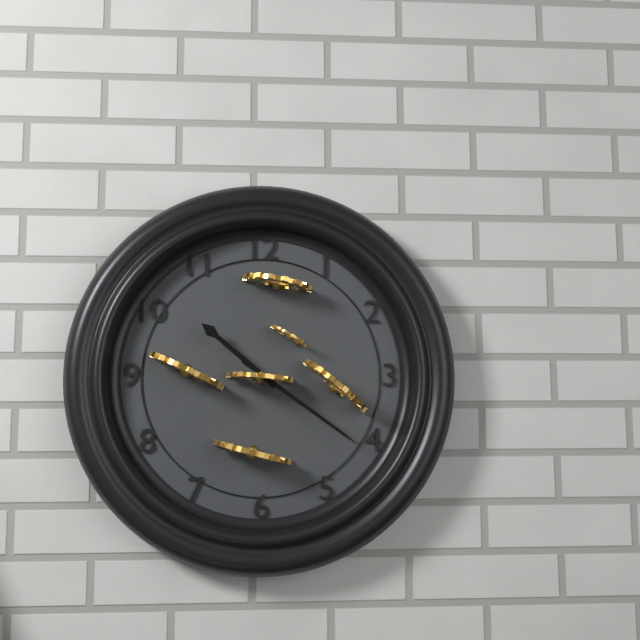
10:21
